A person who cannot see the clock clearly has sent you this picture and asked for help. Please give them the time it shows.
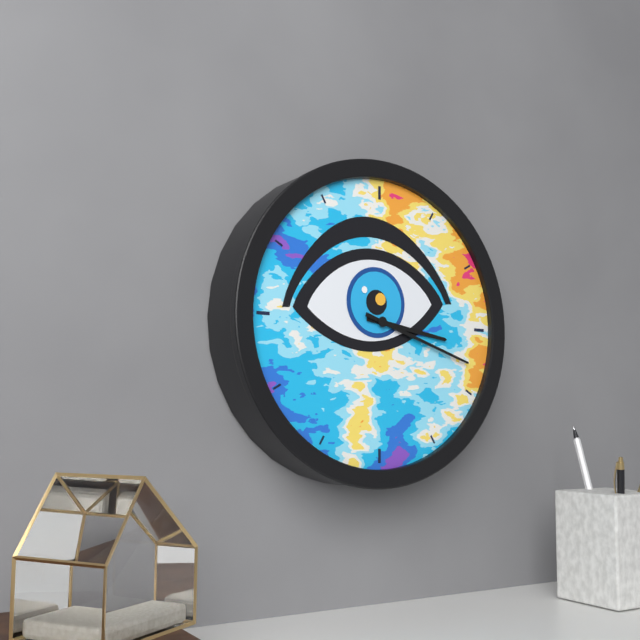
3:18
